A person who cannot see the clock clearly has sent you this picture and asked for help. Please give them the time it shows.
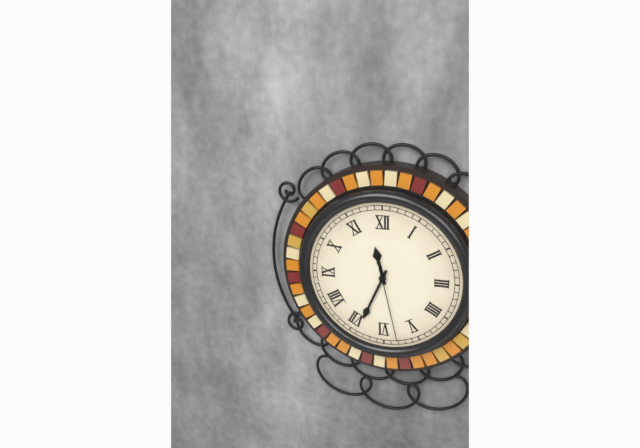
11:34:28
